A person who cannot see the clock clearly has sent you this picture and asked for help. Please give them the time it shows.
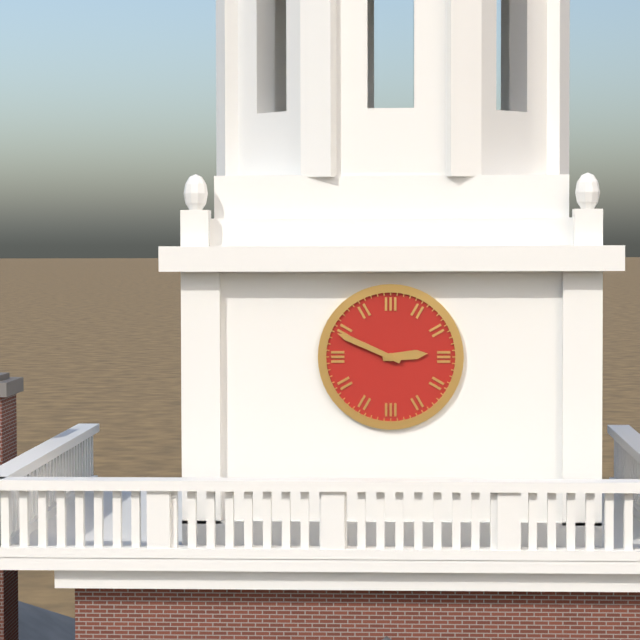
2:49
